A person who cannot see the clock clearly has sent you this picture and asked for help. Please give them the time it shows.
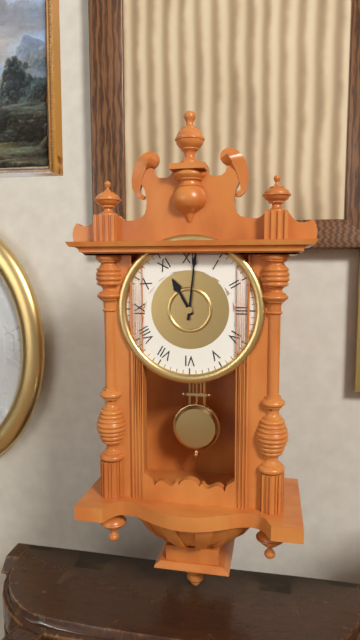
11:01
